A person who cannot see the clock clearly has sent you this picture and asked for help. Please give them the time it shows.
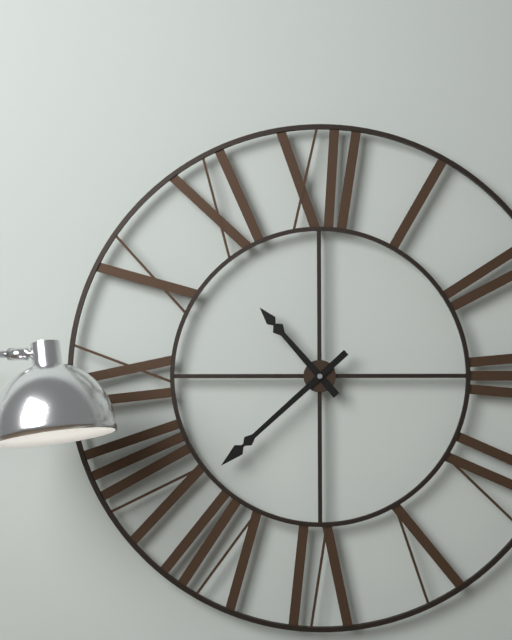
10:38
